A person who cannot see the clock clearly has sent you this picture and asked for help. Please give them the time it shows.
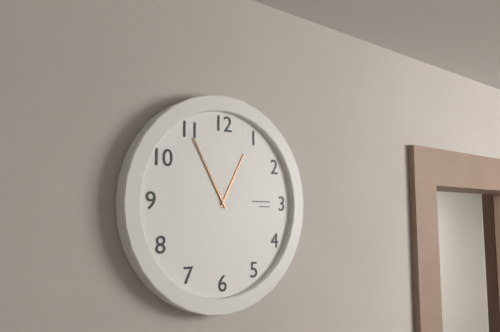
12:55
